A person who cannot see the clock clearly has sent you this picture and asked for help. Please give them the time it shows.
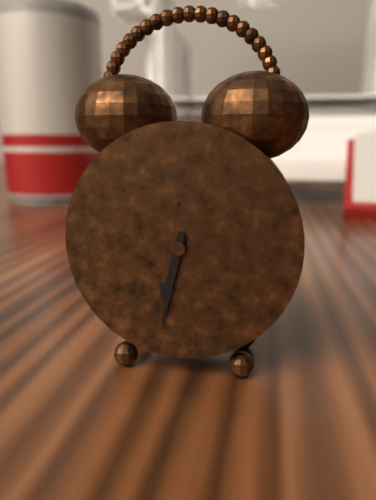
6:32
